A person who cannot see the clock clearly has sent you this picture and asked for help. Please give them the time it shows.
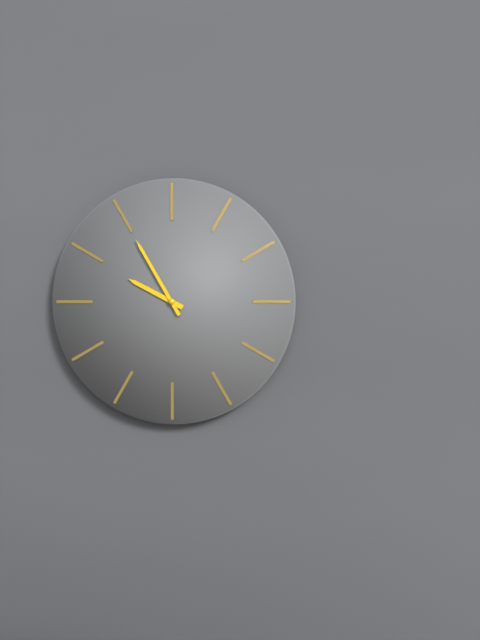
9:55
